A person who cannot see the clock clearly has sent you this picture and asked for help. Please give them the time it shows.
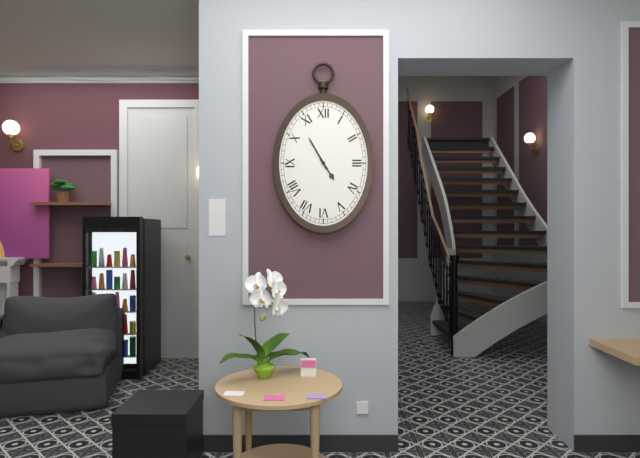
4:55
